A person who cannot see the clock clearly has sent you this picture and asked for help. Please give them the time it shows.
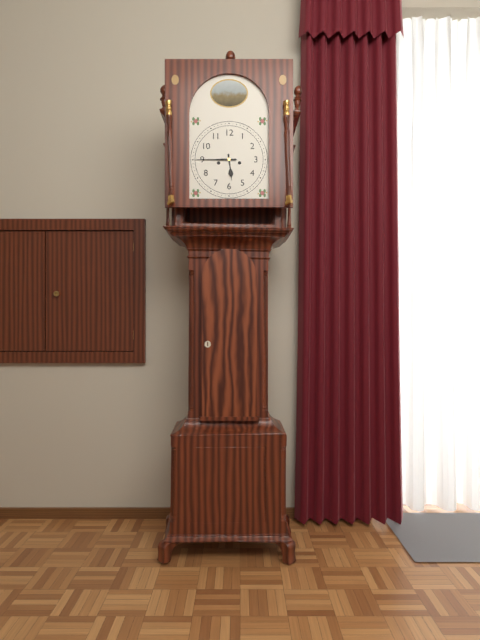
5:45
